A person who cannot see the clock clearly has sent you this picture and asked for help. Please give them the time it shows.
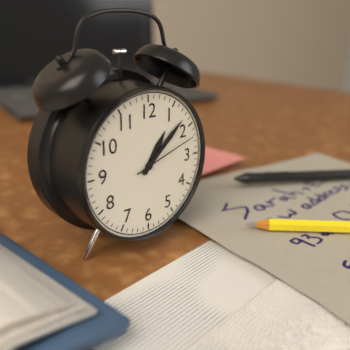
1:08:12
